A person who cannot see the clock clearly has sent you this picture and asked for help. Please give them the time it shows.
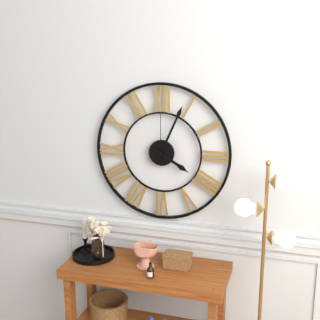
4:04:00
